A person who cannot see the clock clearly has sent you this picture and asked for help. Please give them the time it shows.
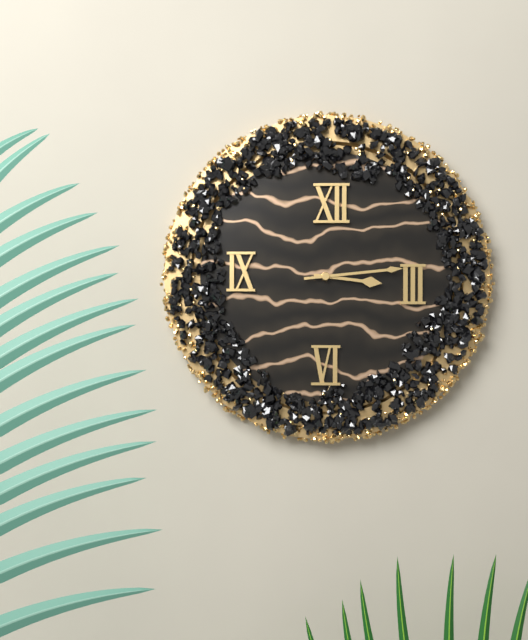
3:14
